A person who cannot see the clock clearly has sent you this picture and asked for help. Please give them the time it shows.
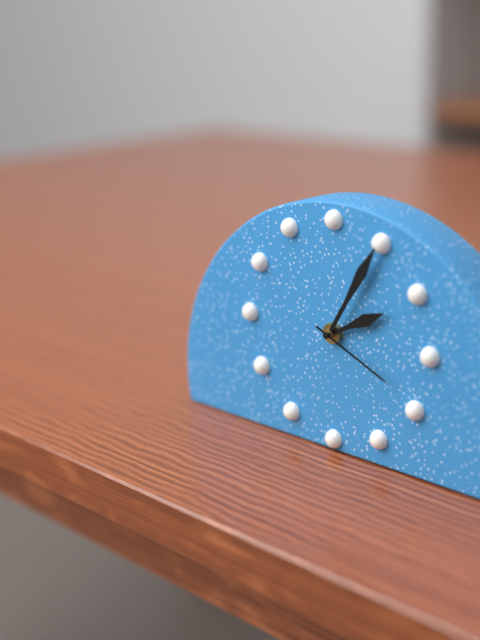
2:05:19
